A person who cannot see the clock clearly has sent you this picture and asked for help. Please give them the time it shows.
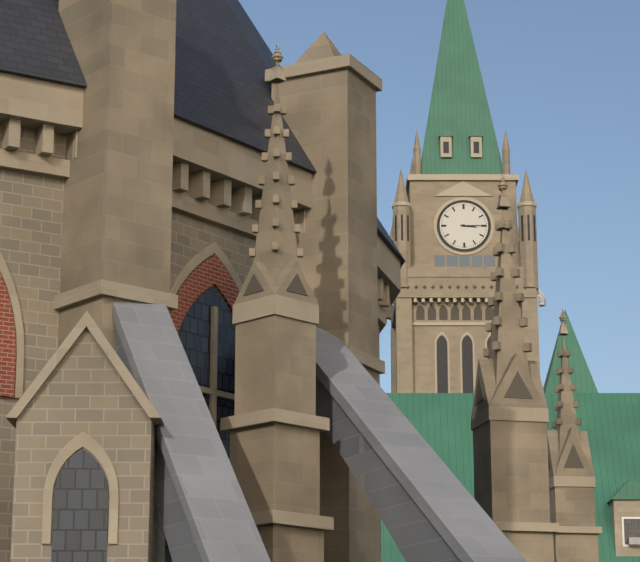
3:15
